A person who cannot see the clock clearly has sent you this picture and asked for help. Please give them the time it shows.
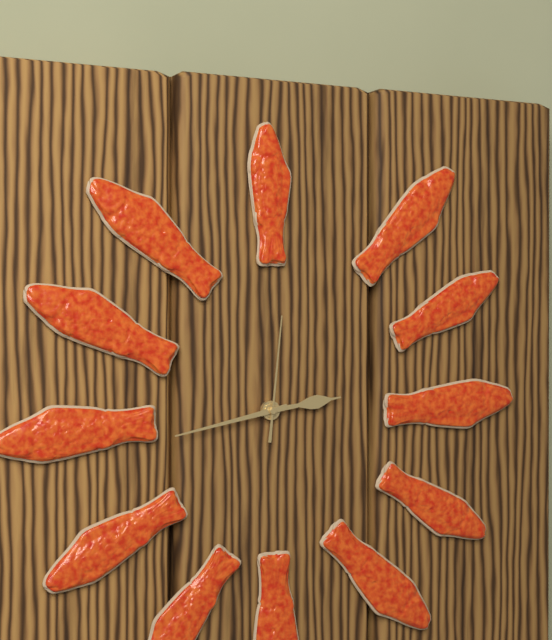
2:43:01
